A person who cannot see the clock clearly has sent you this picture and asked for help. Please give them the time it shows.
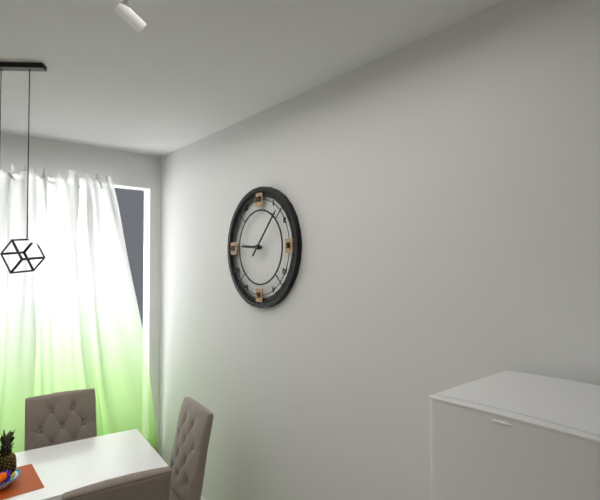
9:07
